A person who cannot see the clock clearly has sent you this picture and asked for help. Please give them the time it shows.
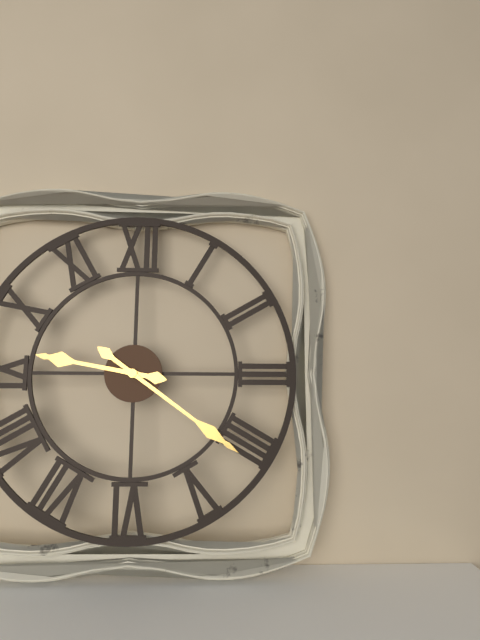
9:21
